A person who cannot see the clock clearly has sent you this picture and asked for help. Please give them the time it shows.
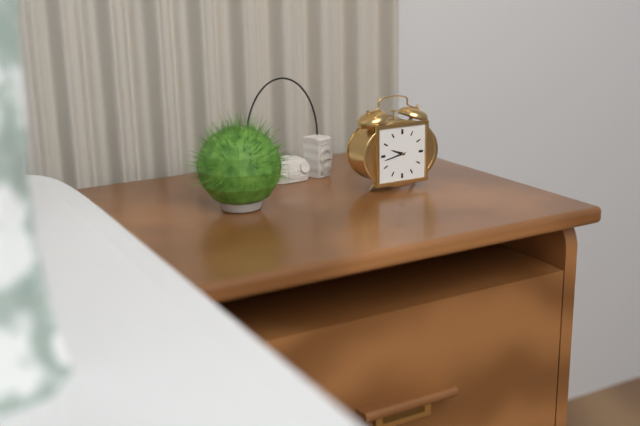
9:43
